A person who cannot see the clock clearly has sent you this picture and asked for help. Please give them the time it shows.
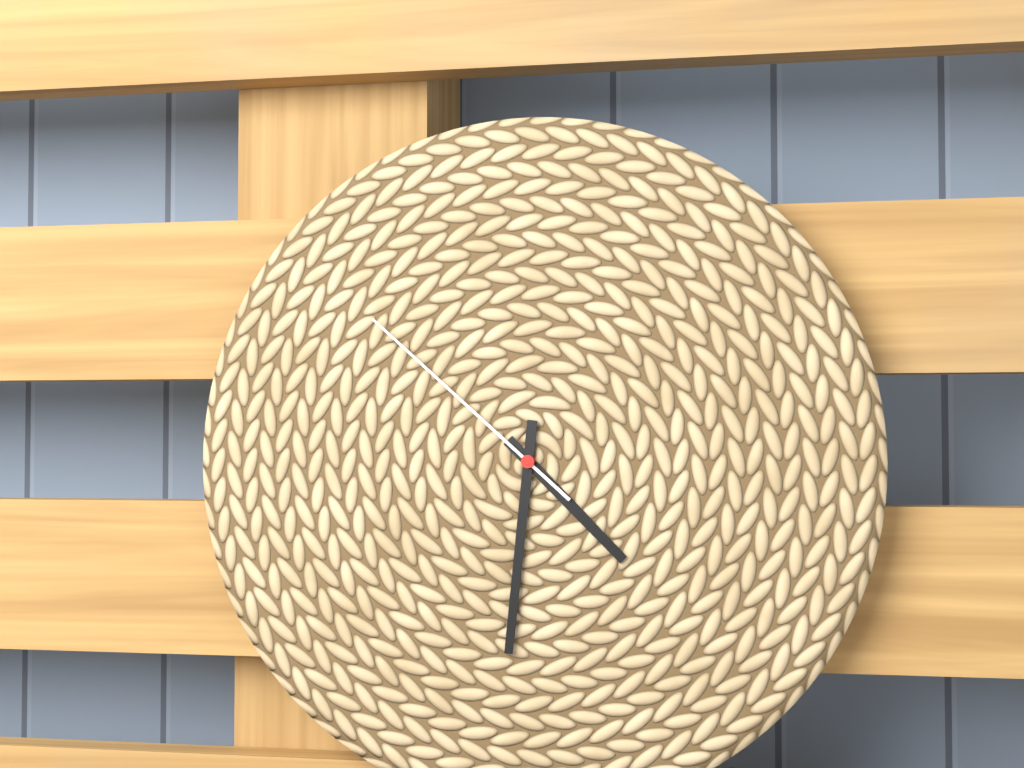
4:31:52
